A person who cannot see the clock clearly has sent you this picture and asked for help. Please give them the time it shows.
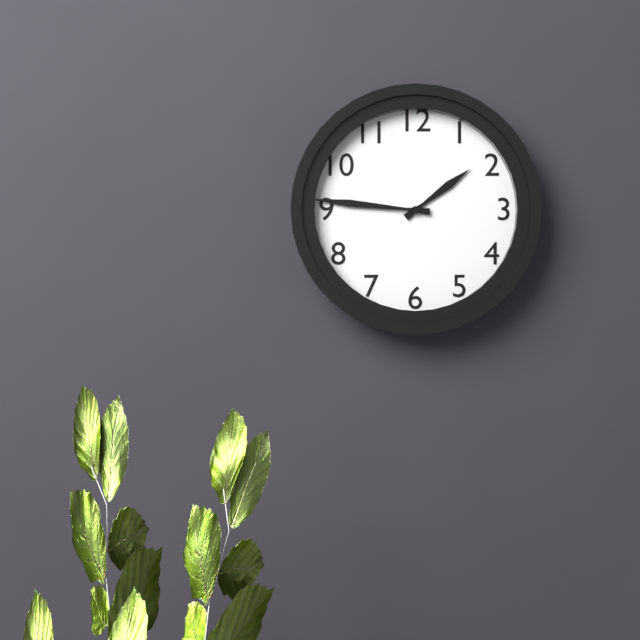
1:46
